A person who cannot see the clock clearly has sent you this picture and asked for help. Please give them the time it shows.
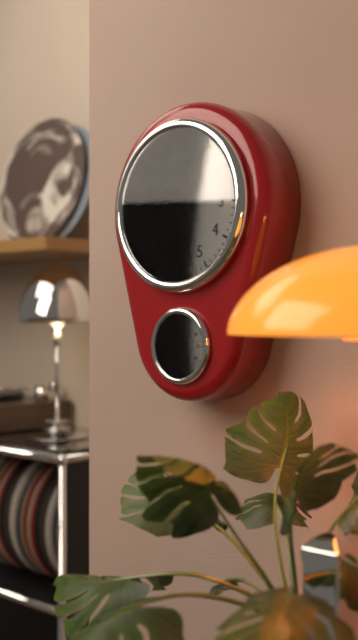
6:44:27
